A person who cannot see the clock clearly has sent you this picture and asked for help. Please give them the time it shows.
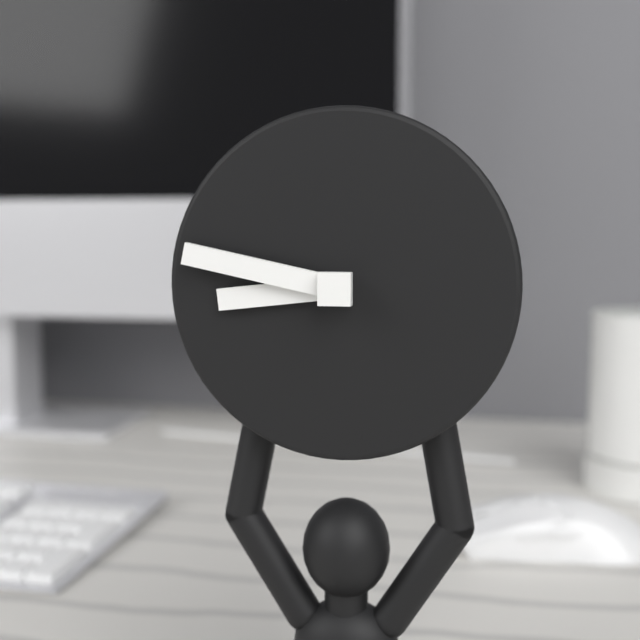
8:47
